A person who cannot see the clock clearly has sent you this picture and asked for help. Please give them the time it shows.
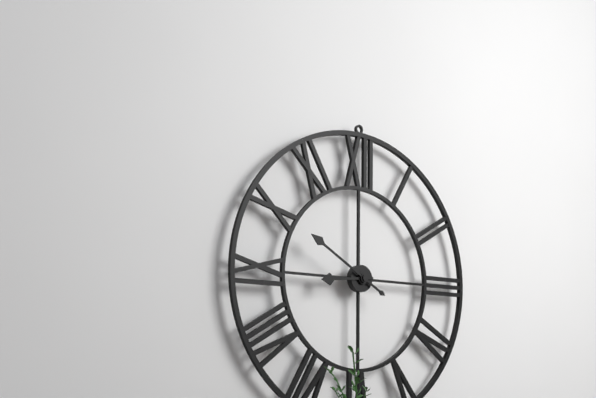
8:50
